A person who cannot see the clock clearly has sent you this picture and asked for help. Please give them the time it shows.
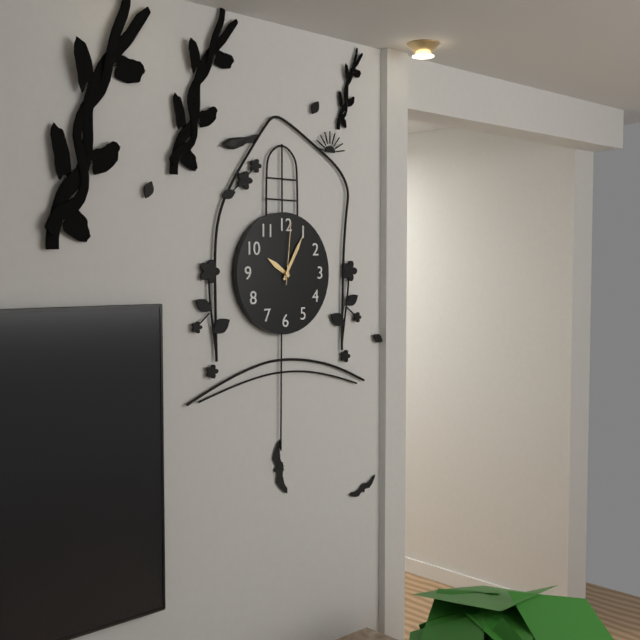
10:05:01
